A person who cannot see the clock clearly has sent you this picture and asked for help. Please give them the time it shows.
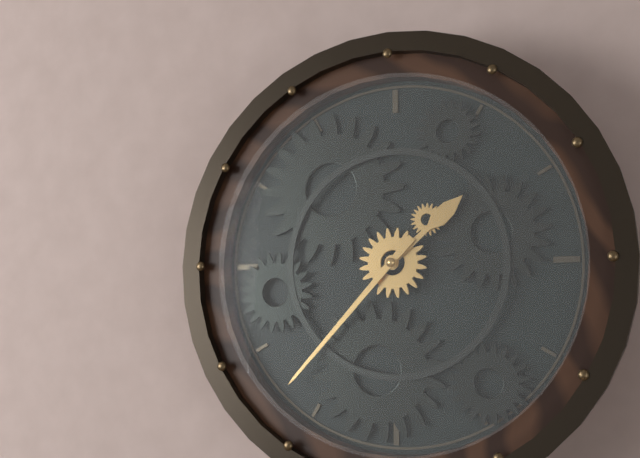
1:37
